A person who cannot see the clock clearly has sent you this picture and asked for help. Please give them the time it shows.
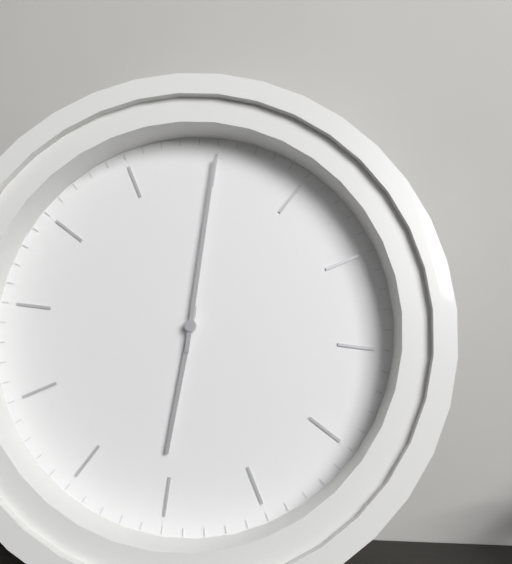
7:05
